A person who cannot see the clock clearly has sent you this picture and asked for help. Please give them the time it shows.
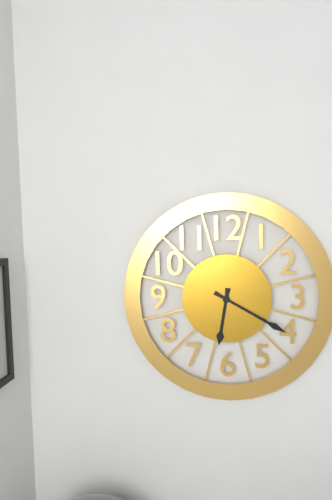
6:20
